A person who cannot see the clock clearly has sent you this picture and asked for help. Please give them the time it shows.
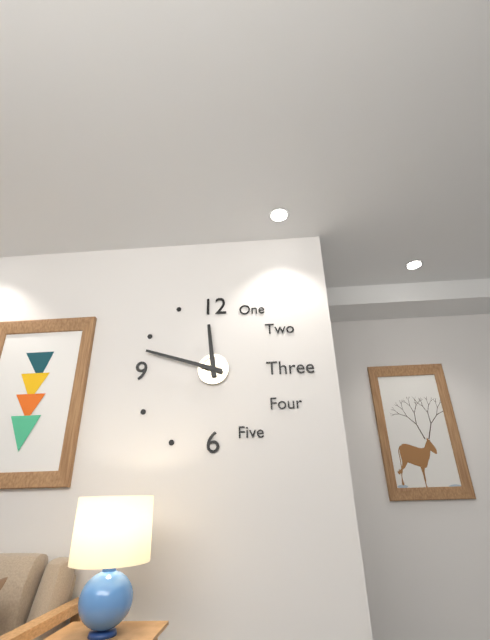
11:48
